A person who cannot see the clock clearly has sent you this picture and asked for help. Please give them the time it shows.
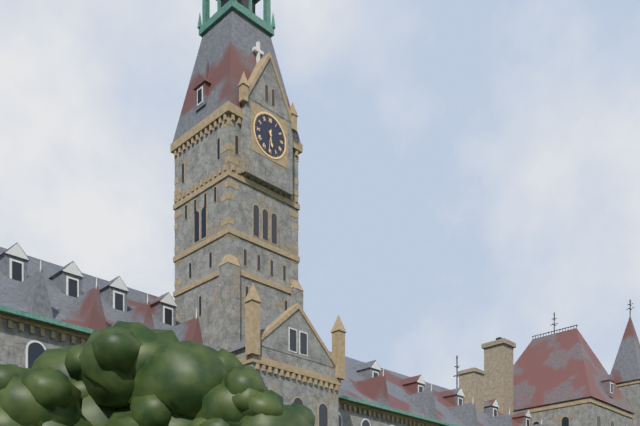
5:31
